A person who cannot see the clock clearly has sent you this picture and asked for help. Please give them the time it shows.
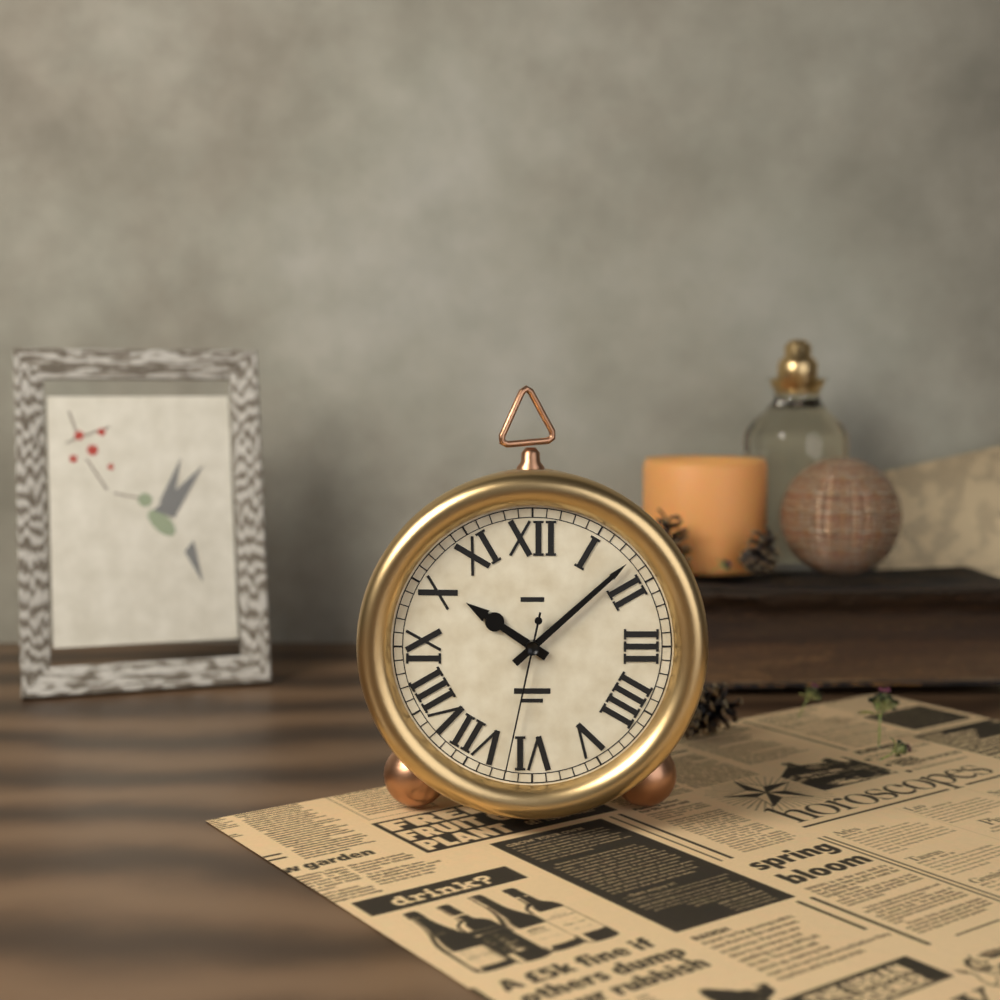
10:08:32
